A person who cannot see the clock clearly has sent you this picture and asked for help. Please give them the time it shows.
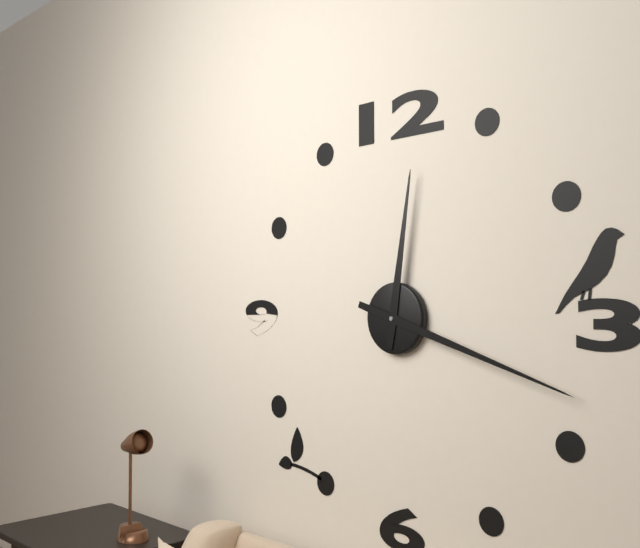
12:18
